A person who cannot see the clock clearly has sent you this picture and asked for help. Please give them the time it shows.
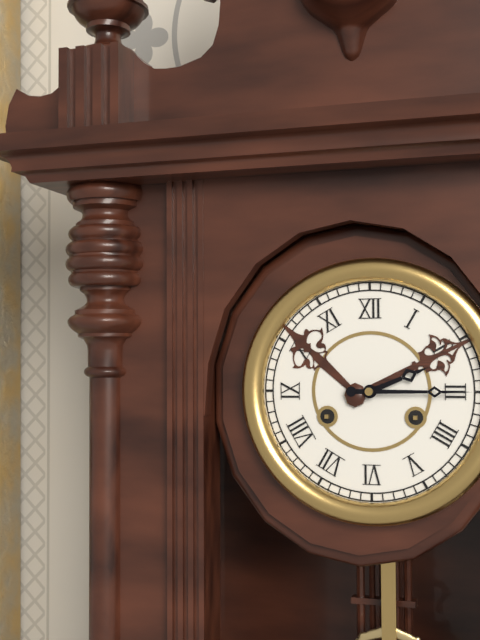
2:15
